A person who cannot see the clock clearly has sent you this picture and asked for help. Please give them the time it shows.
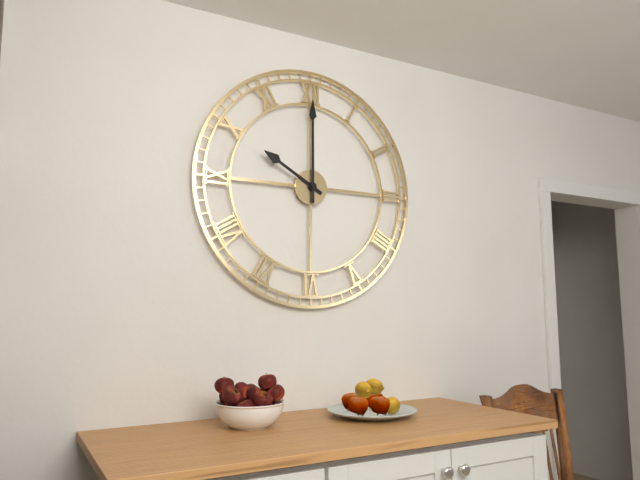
10:00
